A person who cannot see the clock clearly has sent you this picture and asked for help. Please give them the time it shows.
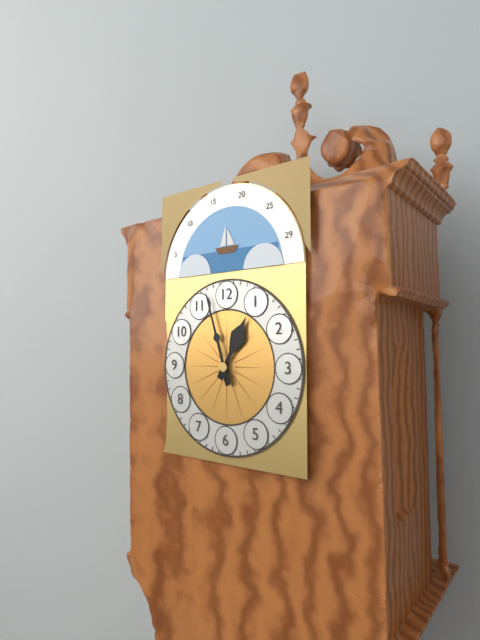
12:57
